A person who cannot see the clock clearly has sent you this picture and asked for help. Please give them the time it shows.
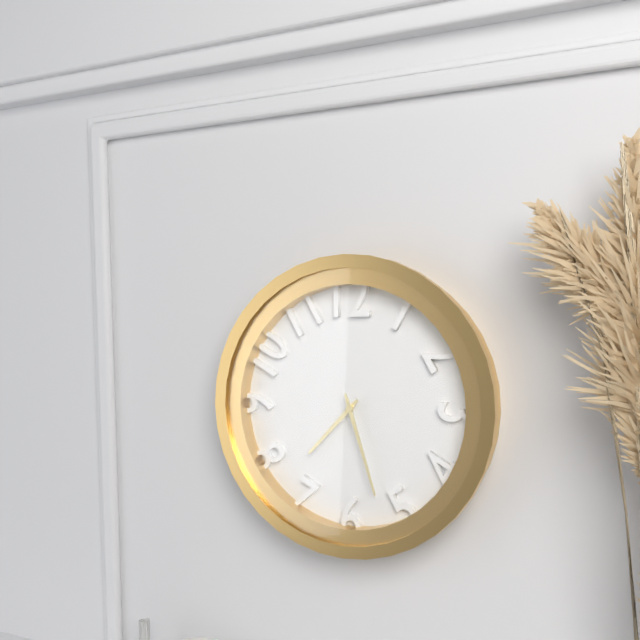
7:27
